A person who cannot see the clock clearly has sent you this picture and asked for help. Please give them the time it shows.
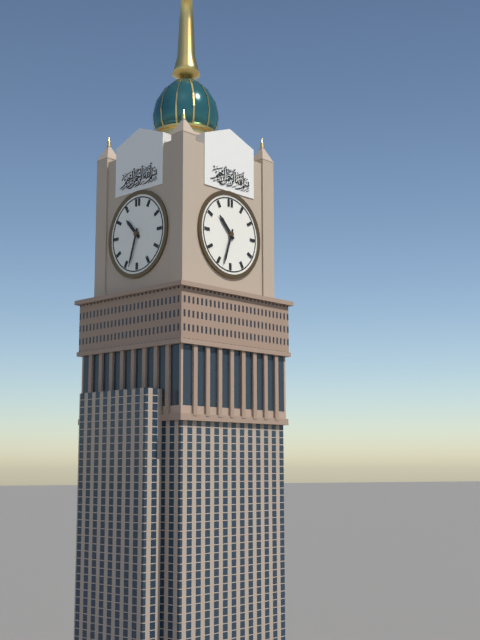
10:33
